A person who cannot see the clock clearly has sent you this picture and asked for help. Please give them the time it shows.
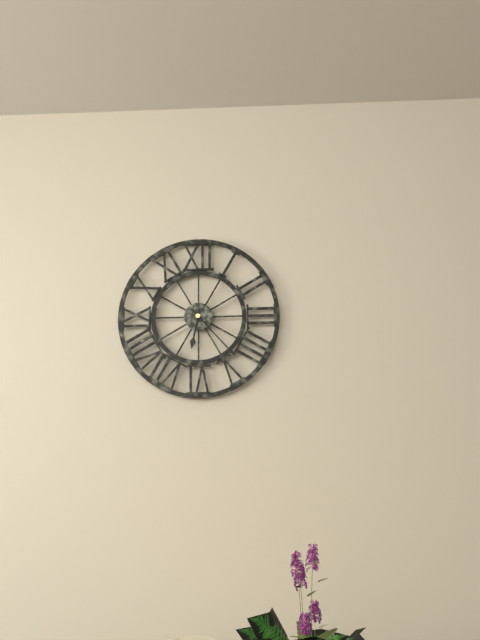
6:23
